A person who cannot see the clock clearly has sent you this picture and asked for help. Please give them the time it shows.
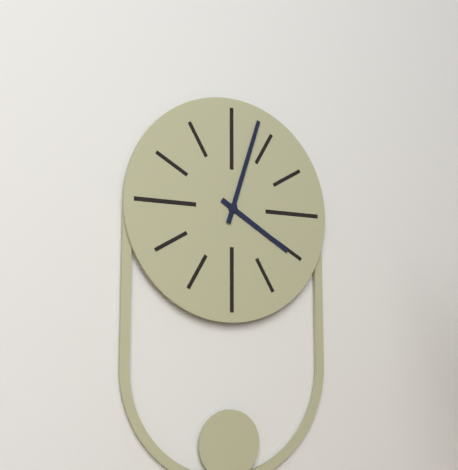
4:03
